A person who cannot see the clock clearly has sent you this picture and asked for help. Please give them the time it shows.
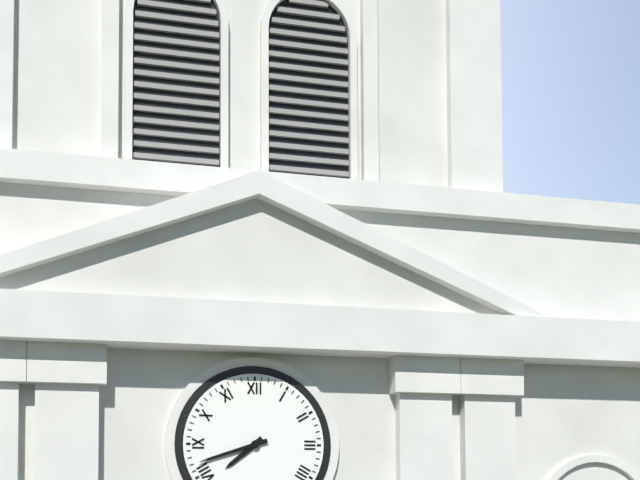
7:42
